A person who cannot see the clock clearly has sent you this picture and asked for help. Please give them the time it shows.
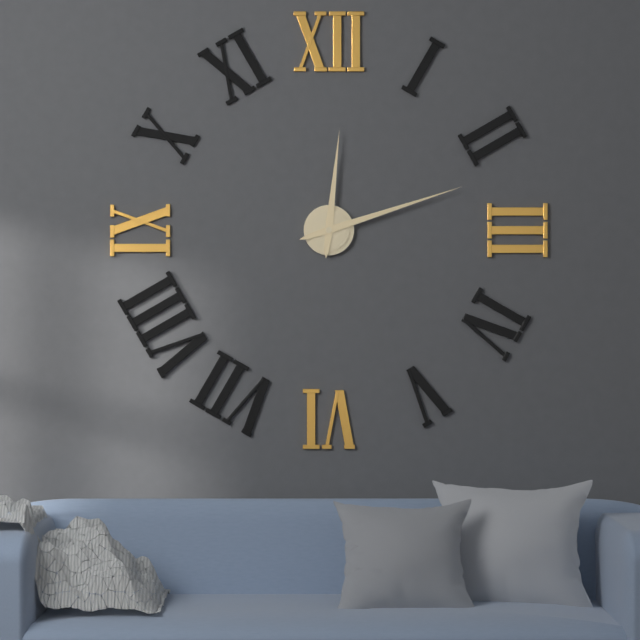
12:12
